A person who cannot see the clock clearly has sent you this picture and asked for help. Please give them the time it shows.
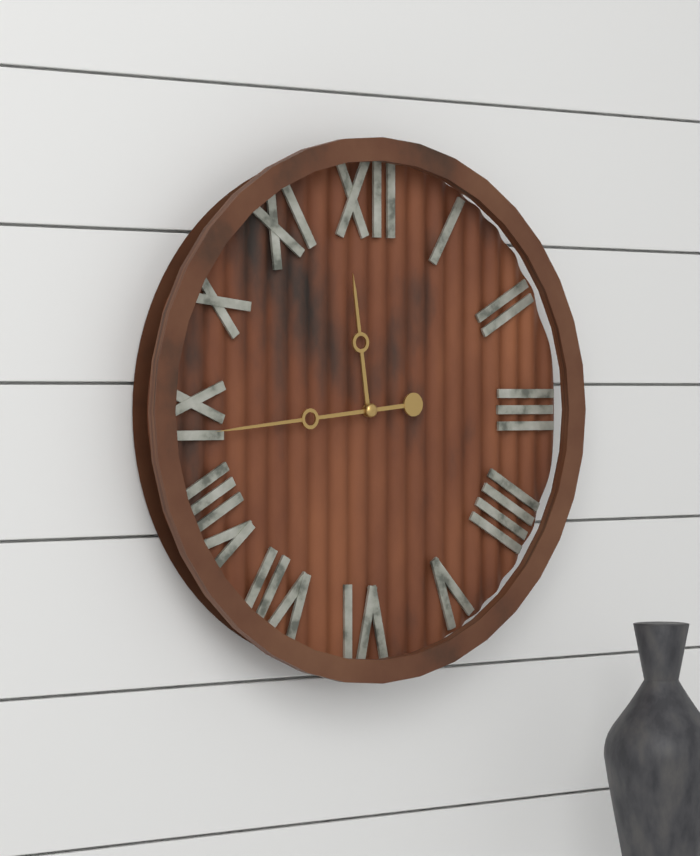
11:44
